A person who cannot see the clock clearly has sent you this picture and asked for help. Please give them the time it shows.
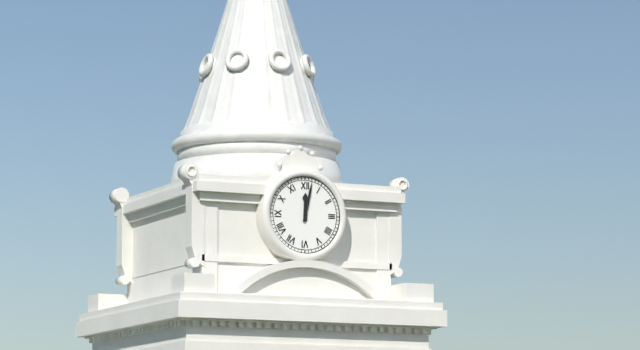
12:02
